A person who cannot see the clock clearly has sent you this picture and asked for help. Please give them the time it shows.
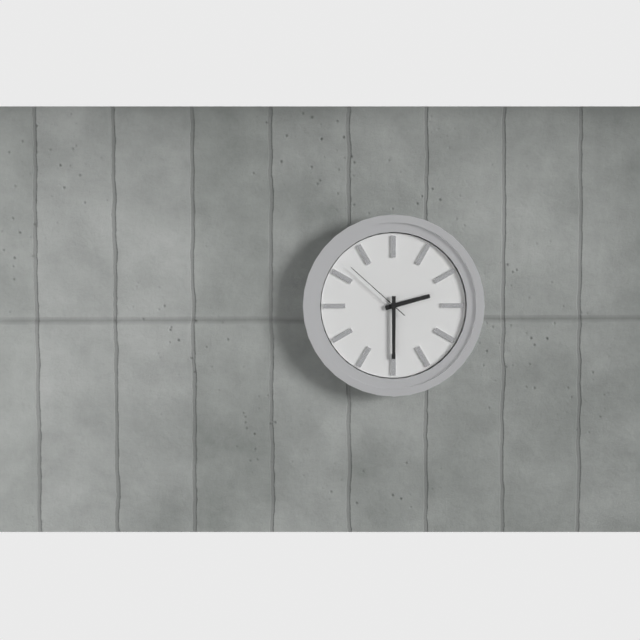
2:30:52
